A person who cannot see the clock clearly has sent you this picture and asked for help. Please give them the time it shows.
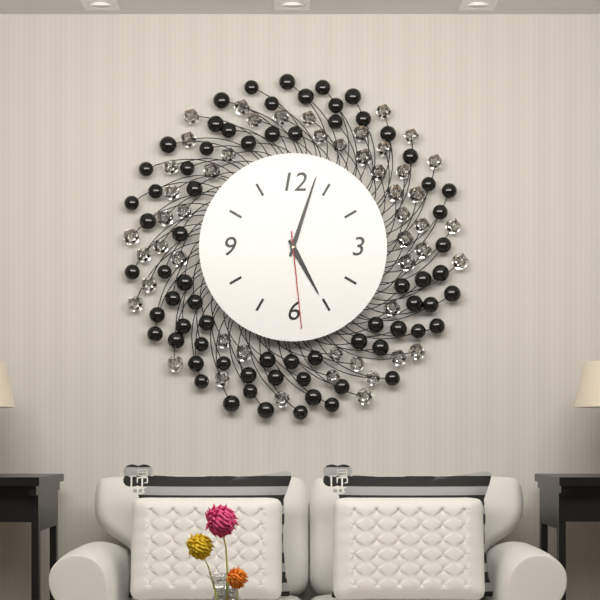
5:03:29
